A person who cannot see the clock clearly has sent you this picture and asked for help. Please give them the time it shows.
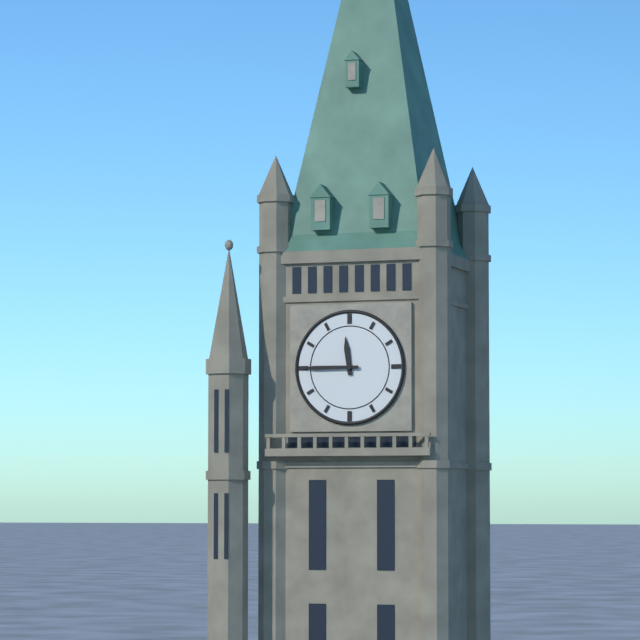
11:45
